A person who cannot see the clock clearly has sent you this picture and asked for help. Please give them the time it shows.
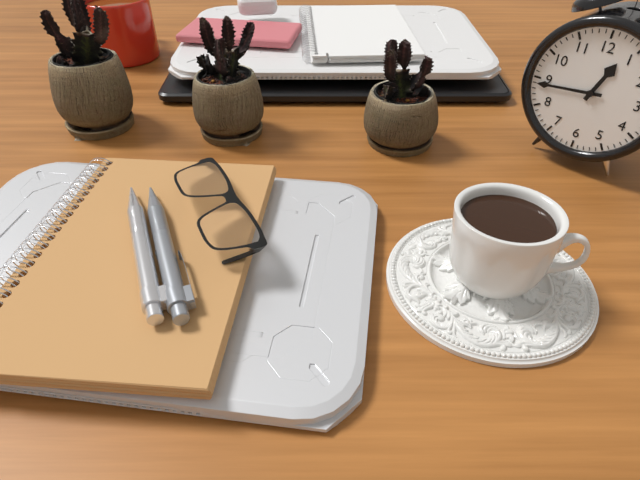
12:44
